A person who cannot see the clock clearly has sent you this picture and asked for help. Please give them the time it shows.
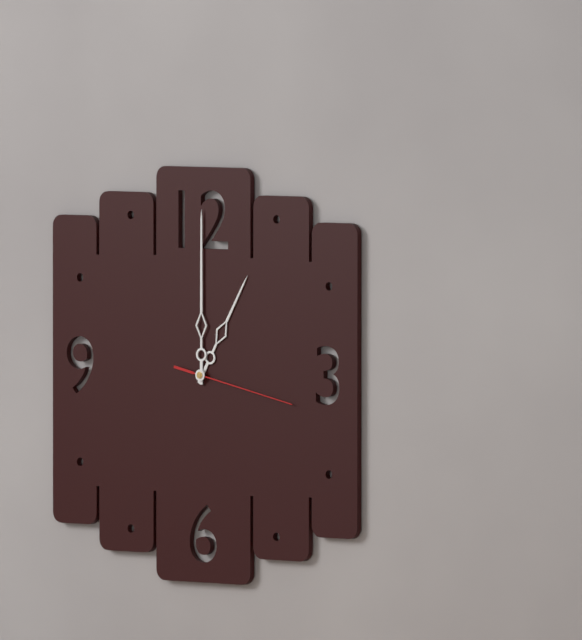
1:00:17
